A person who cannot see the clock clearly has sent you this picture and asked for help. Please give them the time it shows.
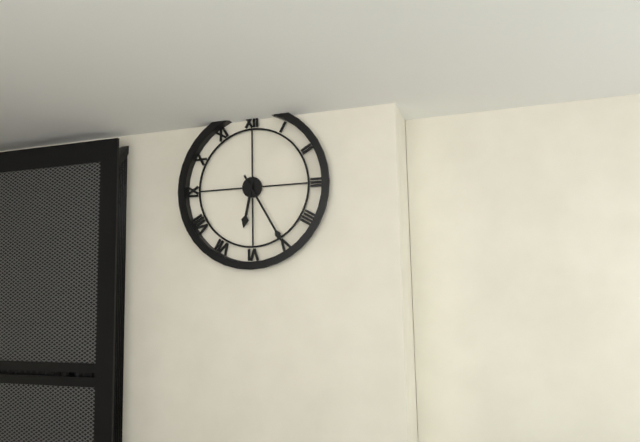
6:25
